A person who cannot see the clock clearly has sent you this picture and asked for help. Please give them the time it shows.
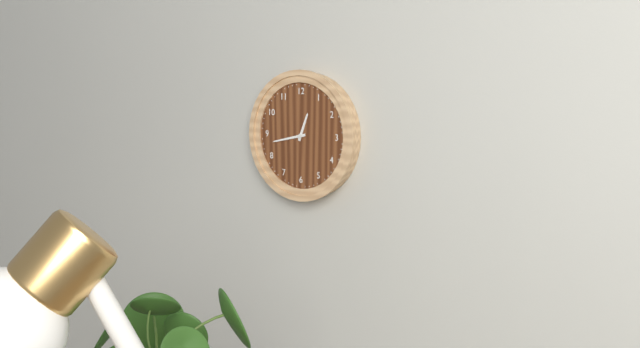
12:43
